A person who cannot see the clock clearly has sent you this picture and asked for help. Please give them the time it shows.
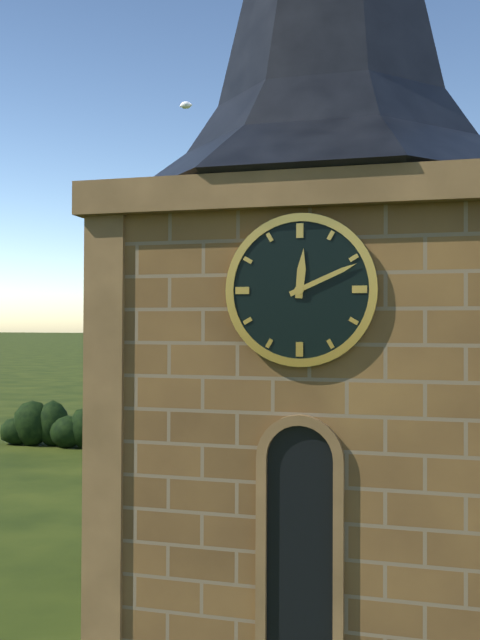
12:11
